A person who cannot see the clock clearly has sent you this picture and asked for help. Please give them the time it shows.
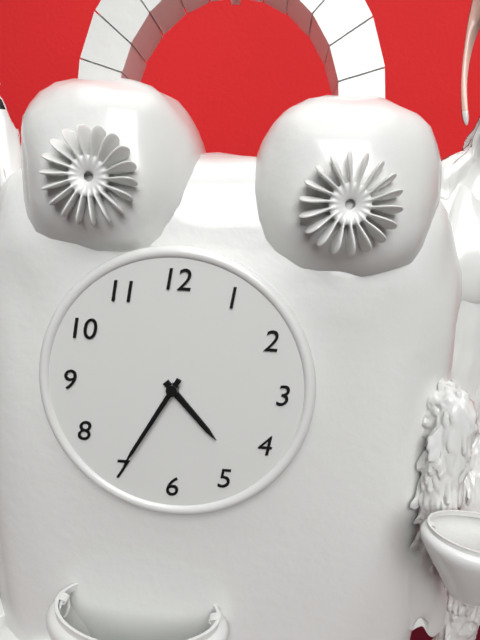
4:35
